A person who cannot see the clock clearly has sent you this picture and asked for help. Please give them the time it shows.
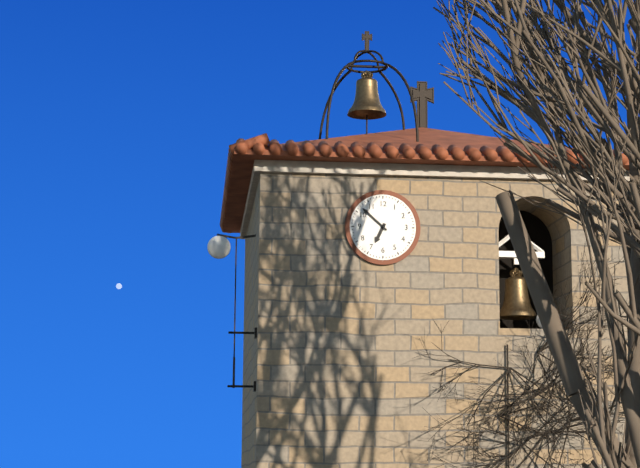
6:52
